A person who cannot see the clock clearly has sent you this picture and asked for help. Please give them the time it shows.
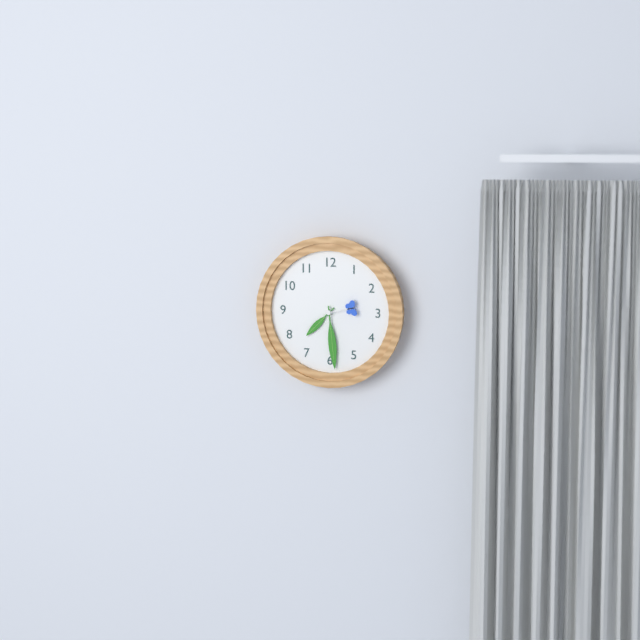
7:29
